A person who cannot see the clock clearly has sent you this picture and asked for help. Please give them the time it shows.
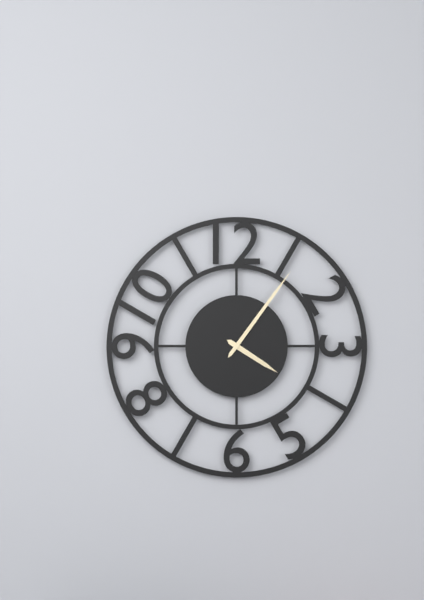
4:06
